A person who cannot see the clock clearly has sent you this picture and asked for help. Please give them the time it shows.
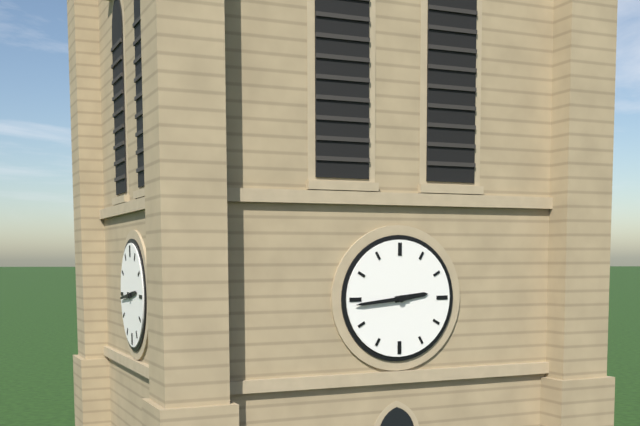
2:44
